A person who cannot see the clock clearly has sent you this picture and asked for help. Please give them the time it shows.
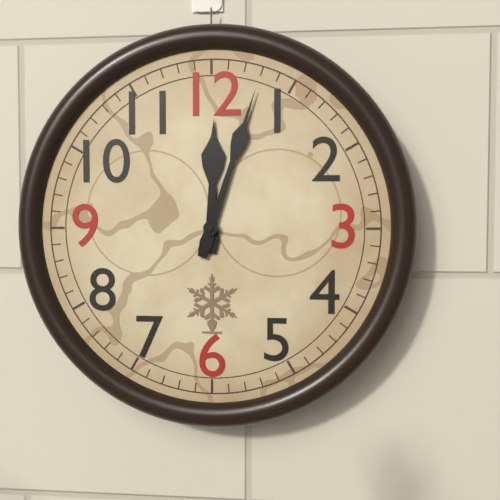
12:03
